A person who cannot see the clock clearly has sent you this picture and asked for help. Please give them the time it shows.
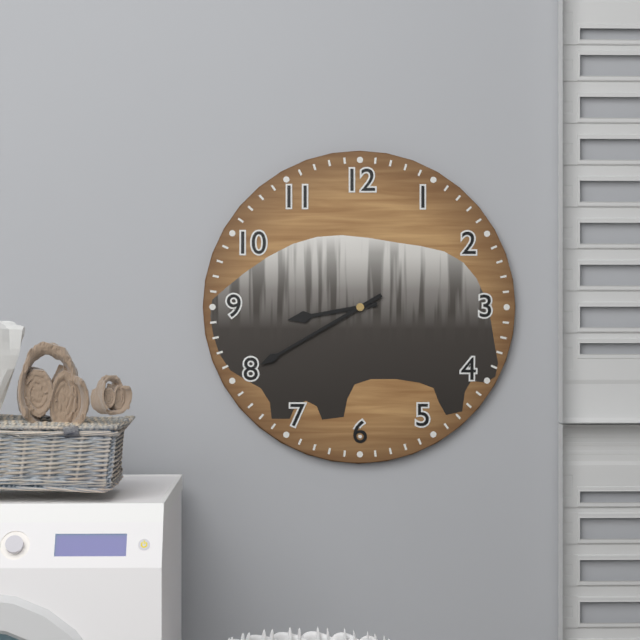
8:40
